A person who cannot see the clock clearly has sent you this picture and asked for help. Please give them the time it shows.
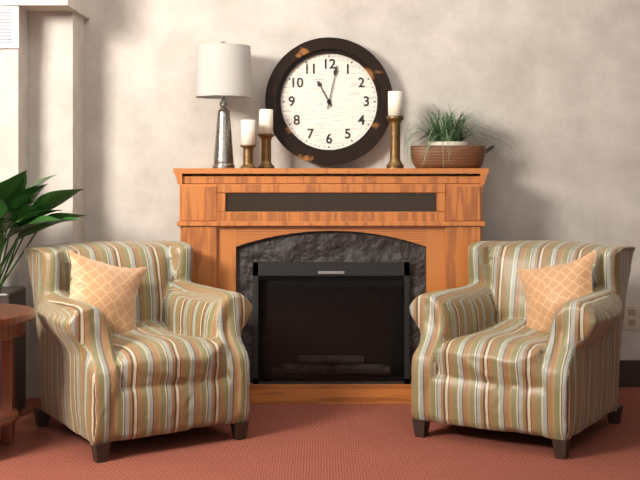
11:02
